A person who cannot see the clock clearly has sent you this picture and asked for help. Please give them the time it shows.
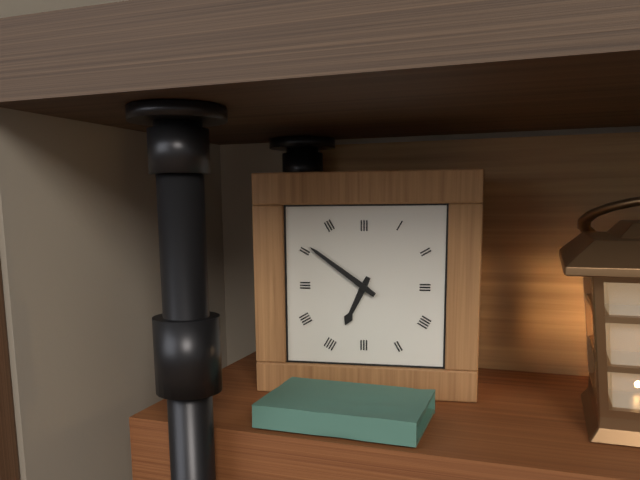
6:51
